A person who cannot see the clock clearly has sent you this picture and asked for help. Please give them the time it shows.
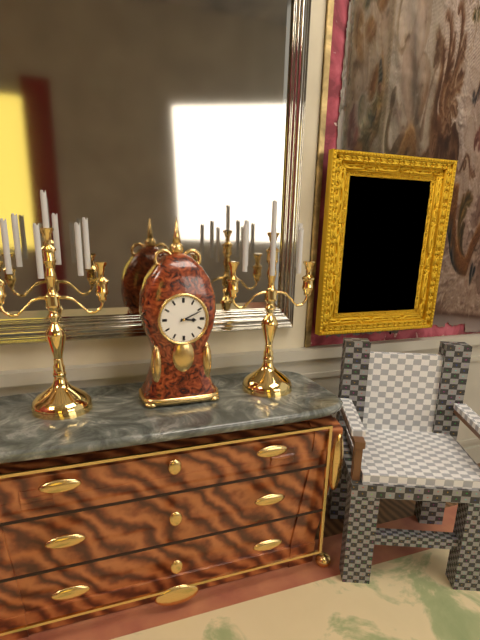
3:11
